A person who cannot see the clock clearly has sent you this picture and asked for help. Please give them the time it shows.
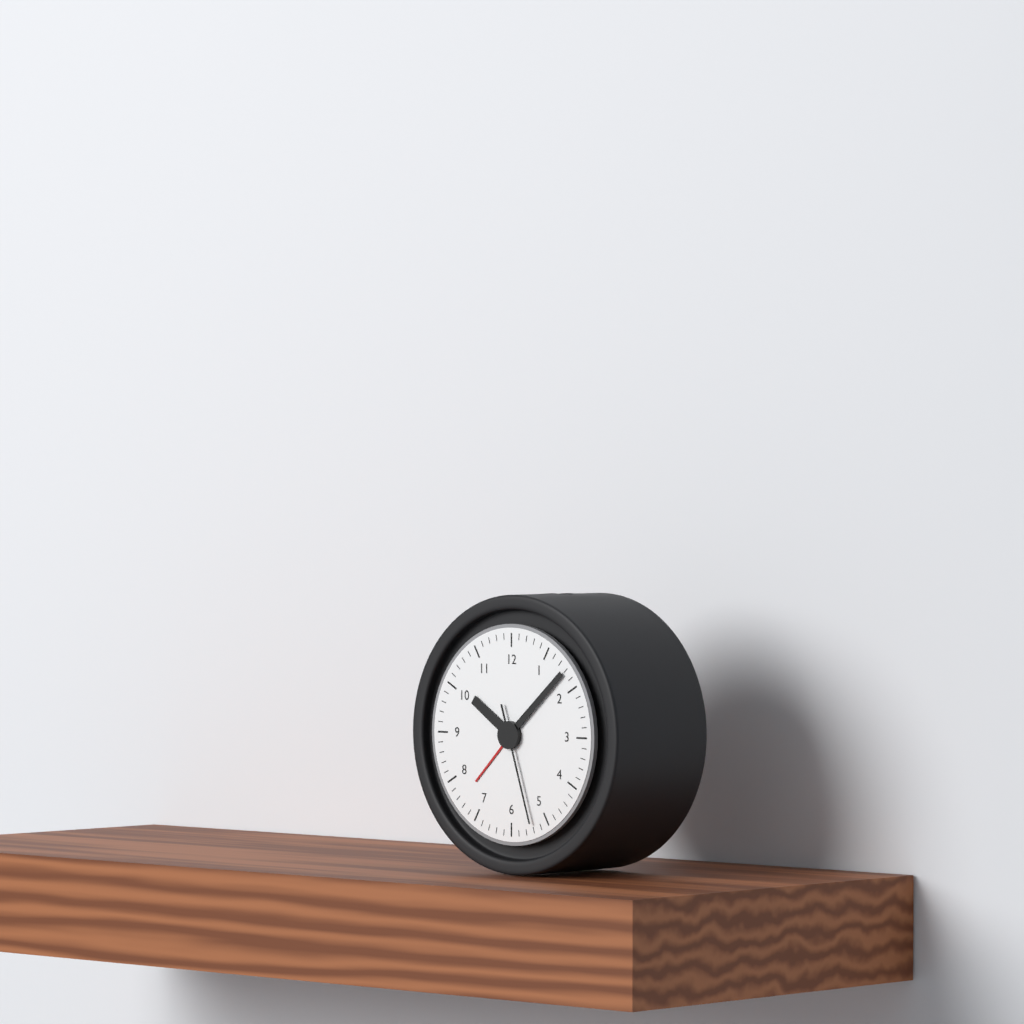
10:08:27
